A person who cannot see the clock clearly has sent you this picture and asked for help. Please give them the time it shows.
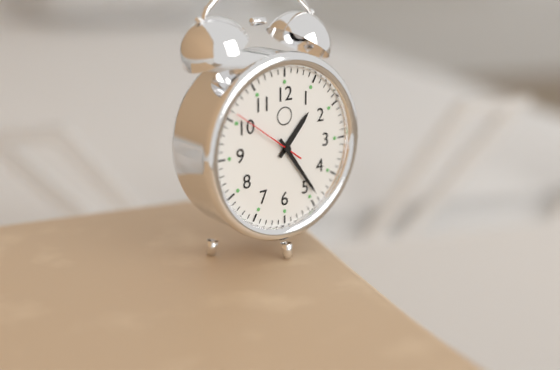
1:24:51
